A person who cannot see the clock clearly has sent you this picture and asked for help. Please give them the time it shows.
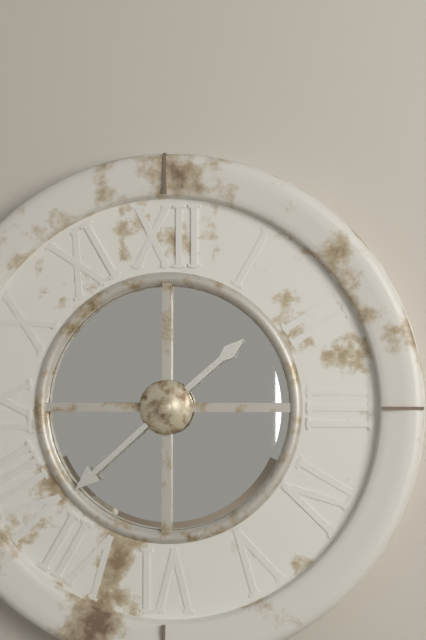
1:38
